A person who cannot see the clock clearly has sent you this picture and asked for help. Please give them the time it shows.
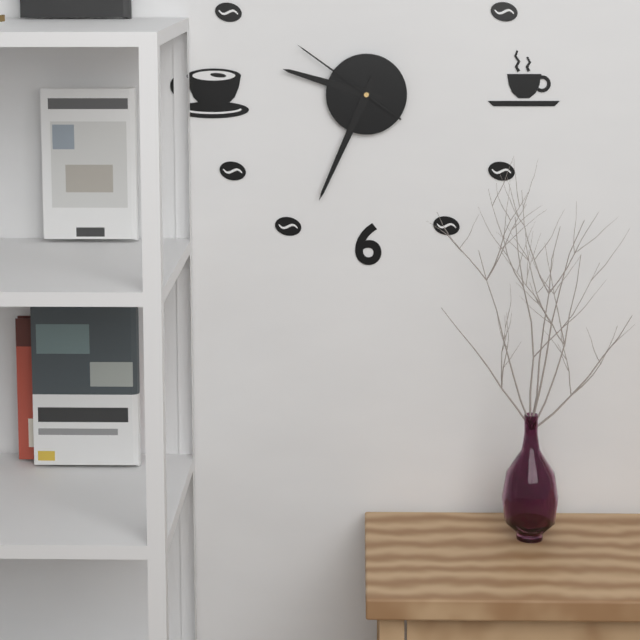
9:34:51
